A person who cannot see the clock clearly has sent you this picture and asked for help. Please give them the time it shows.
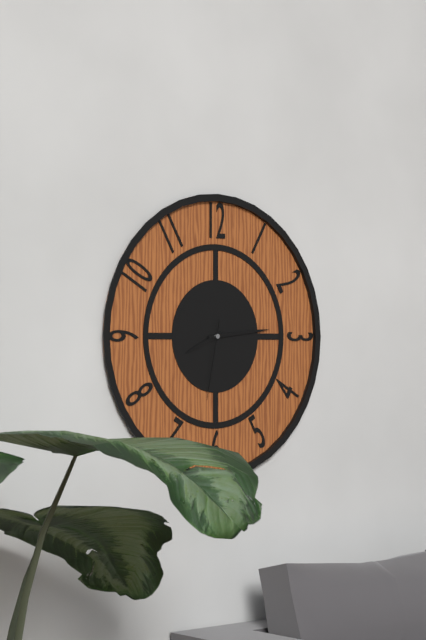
8:14:32
